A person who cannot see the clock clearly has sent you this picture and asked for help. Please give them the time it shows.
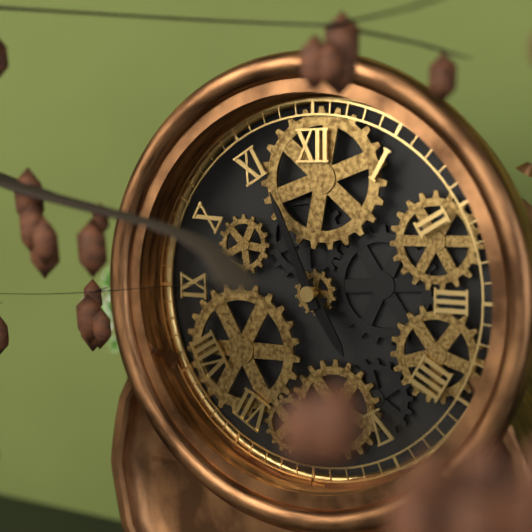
4:56
